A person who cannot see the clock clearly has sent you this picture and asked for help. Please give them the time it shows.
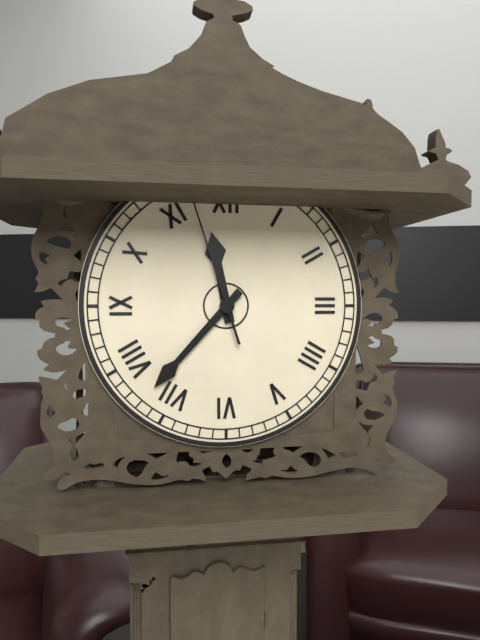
11:37:57
